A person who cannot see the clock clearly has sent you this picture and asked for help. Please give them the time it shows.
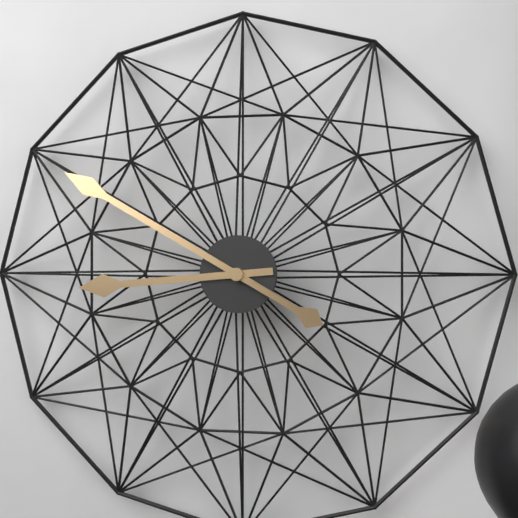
8:50
